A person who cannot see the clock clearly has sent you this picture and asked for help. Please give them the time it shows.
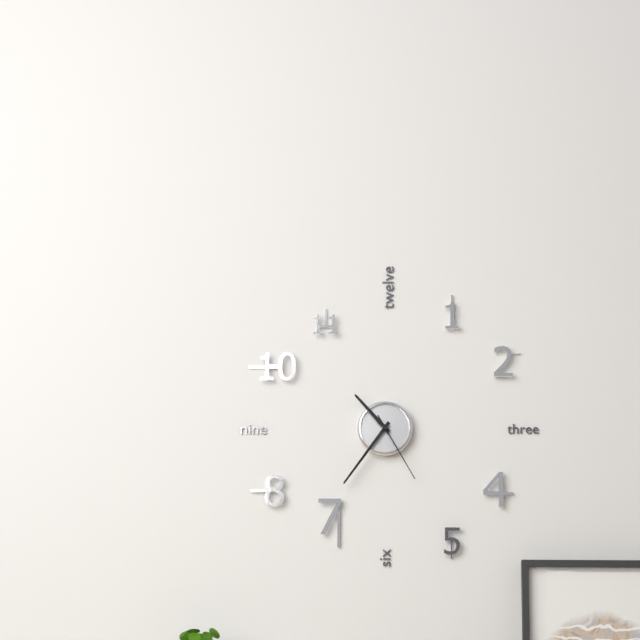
10:36:25
